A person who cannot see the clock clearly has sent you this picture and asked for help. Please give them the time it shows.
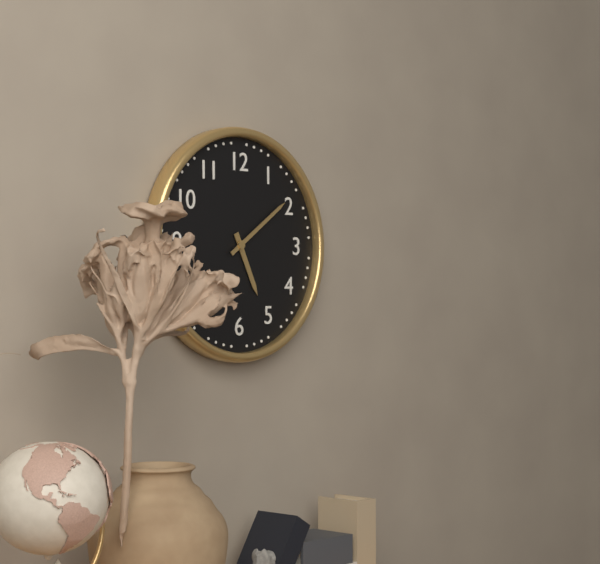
5:09
